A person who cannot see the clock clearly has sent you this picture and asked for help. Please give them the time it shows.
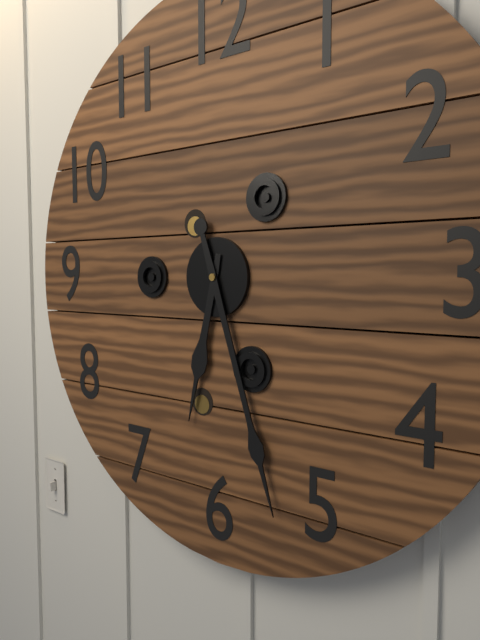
6:27
